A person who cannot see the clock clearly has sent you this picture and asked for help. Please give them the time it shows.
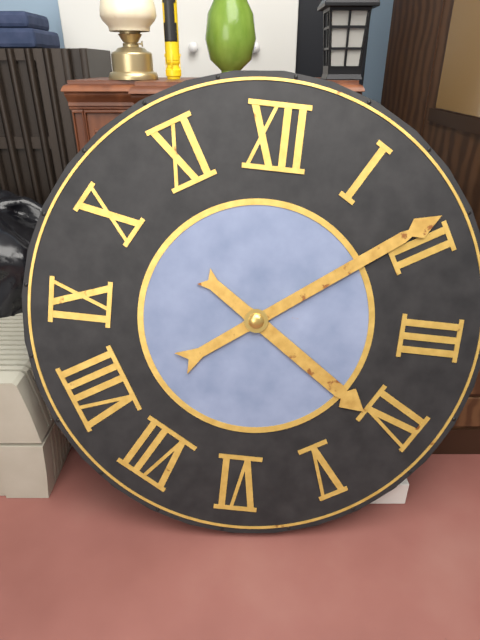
4:09
